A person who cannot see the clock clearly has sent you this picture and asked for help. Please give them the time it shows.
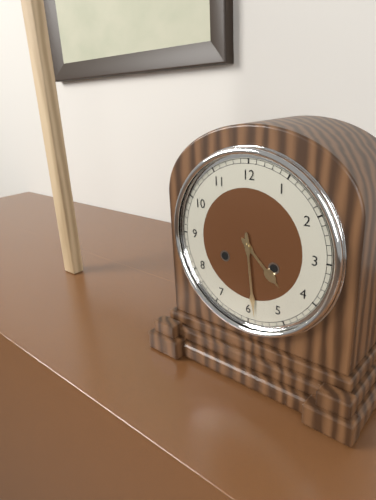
4:29
